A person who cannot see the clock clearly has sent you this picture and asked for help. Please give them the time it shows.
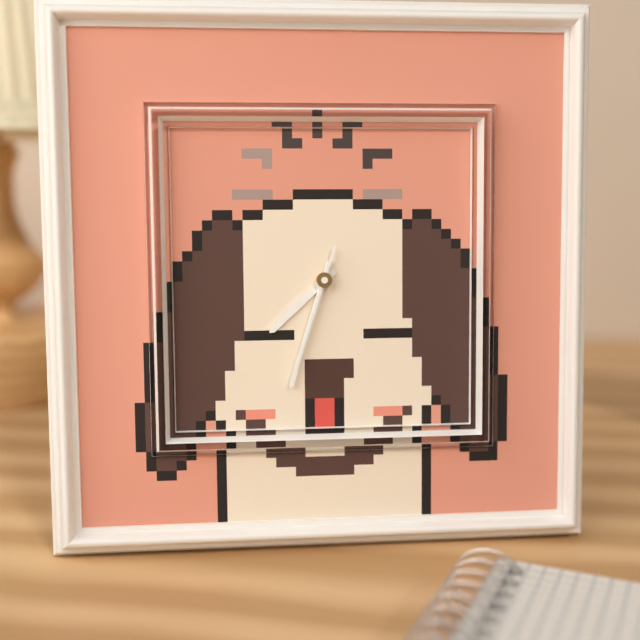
7:33:33
